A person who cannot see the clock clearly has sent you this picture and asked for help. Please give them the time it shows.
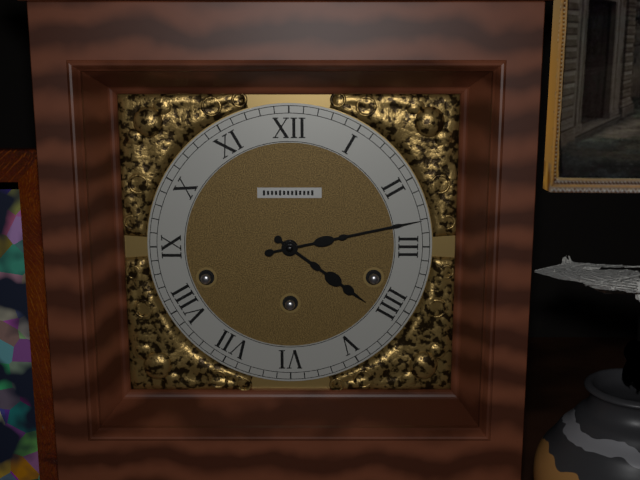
4:13
